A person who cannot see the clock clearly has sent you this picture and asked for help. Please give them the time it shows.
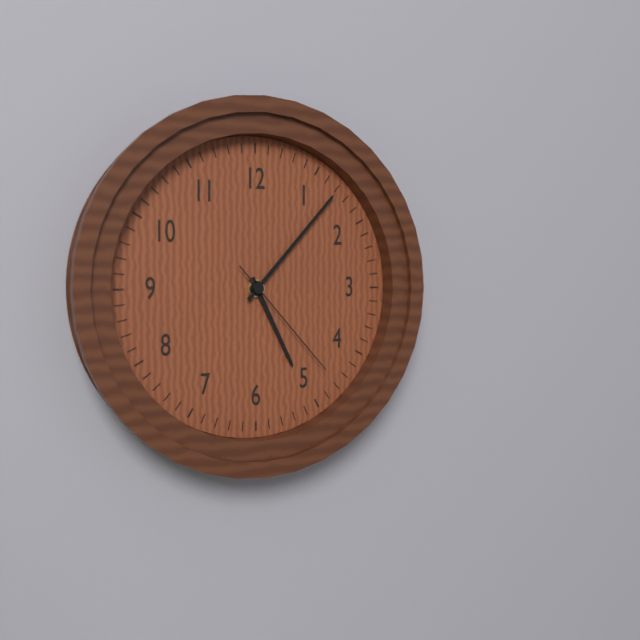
5:07:23
